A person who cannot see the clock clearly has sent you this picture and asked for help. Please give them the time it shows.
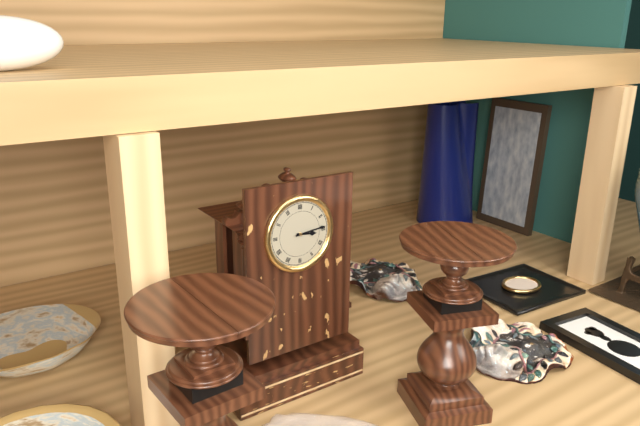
3:14
